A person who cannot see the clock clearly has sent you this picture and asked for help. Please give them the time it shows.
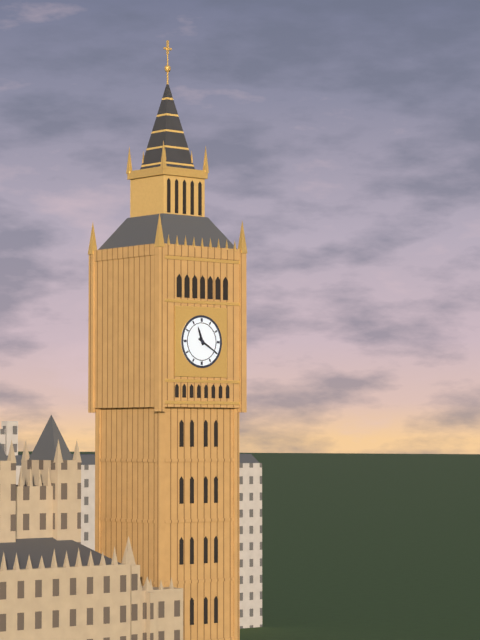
11:20
